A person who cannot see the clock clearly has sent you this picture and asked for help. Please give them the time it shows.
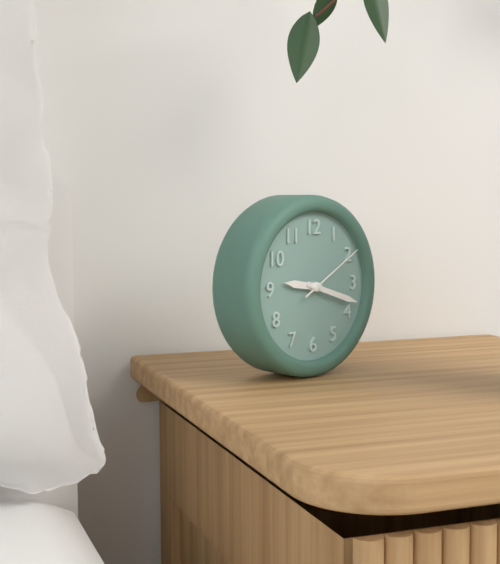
9:18:10
